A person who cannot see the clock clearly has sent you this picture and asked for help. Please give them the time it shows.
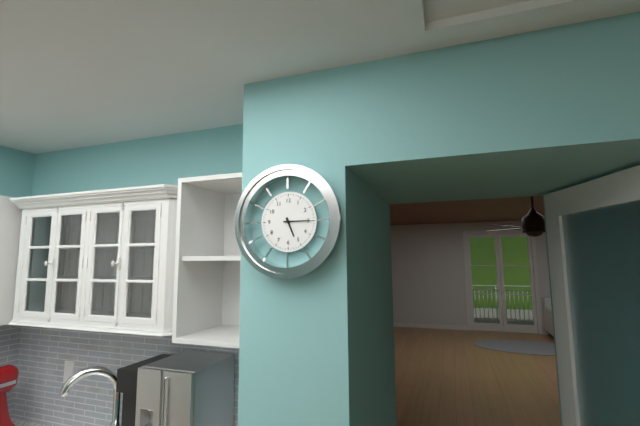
5:15
